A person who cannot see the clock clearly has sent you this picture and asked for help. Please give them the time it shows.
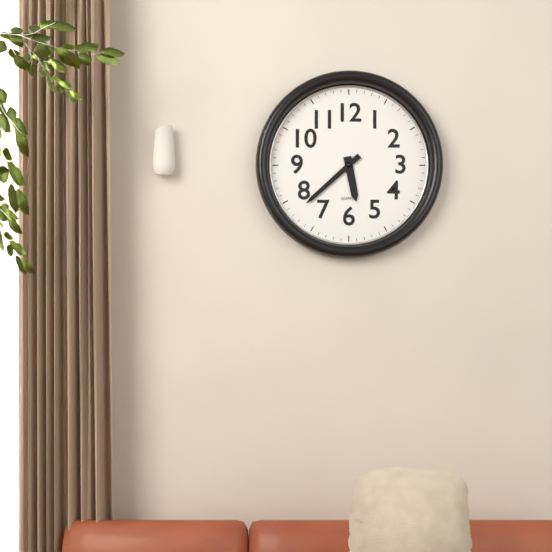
5:38
